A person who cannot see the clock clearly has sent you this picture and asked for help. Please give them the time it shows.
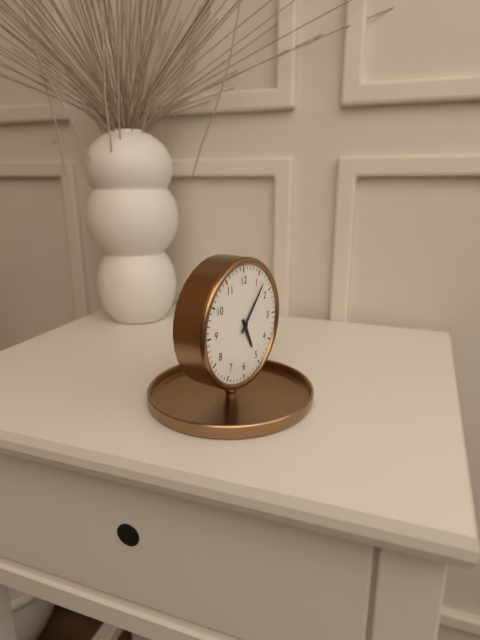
5:07
